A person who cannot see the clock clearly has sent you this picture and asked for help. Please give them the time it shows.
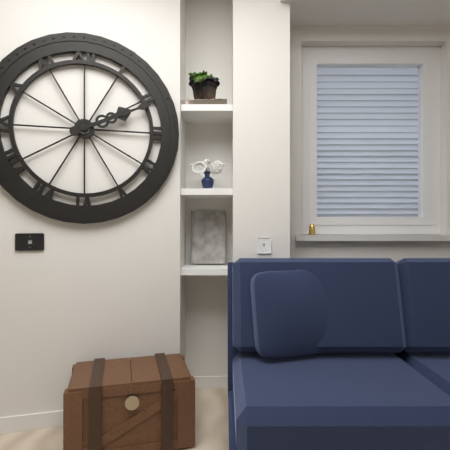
2:11
